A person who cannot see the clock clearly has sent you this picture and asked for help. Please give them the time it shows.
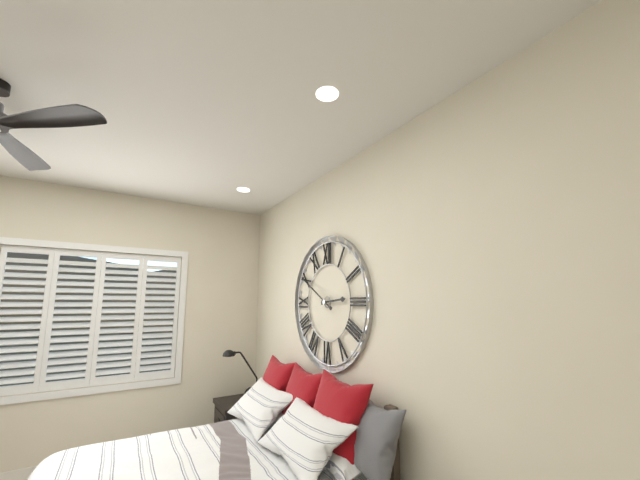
2:50
